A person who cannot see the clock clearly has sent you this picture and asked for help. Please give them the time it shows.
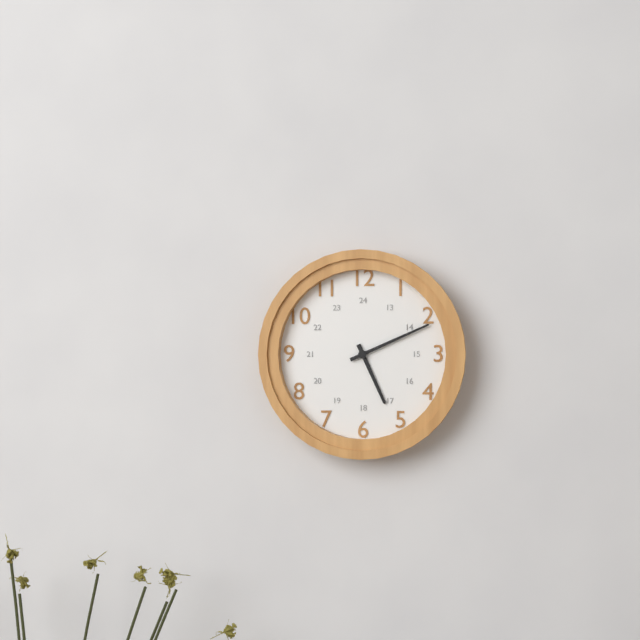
5:11
